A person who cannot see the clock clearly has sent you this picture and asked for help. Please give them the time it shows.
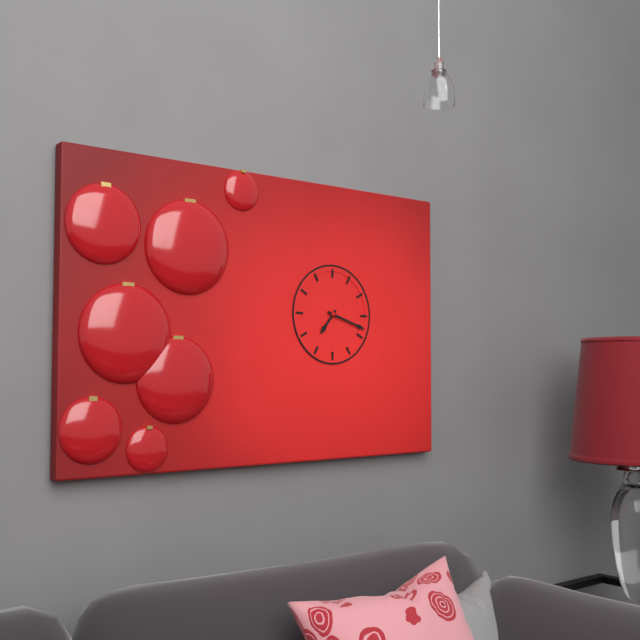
7:18
